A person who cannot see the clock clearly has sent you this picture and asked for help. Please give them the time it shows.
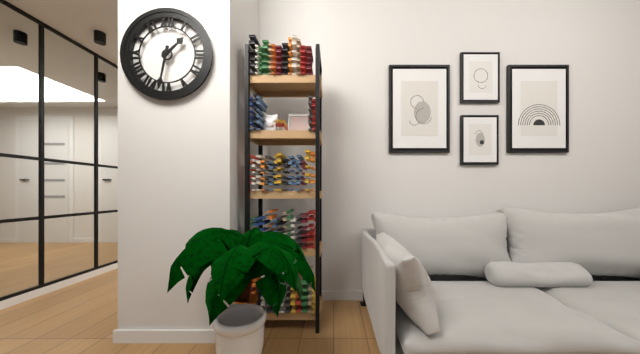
1:32
